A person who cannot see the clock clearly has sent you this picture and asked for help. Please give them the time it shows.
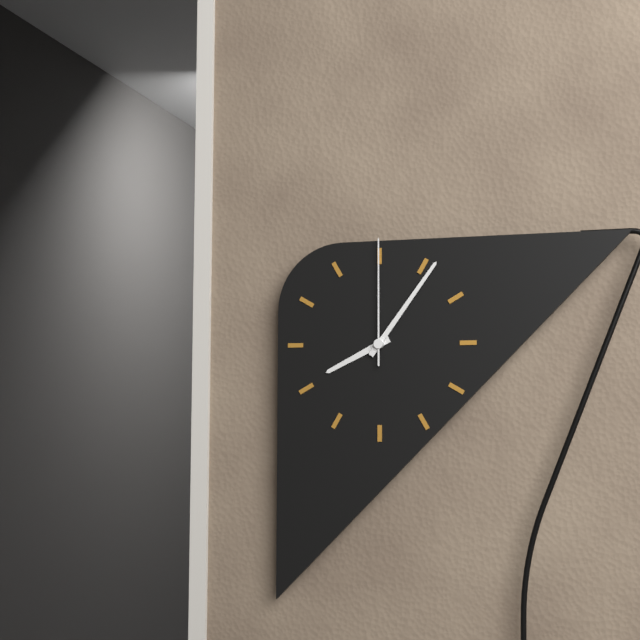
8:06:00
